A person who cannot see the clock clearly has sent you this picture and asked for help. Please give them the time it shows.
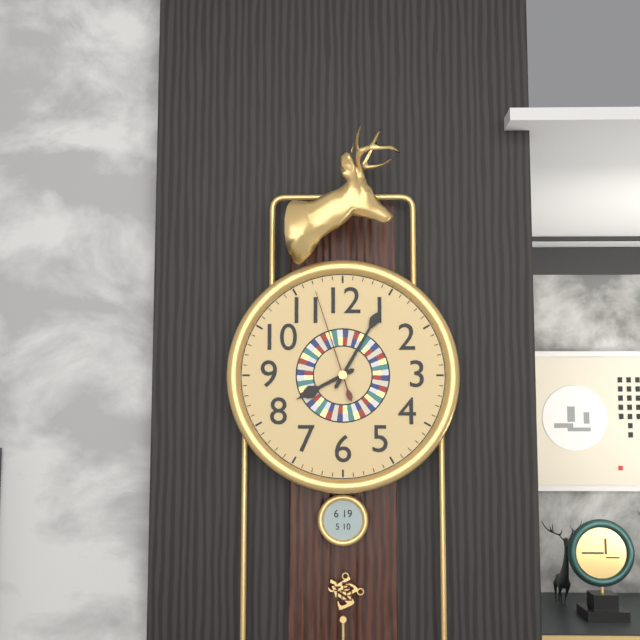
8:05:57
